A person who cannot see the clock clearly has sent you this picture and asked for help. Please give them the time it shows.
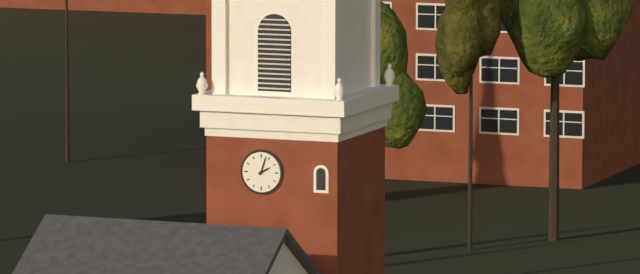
2:03
